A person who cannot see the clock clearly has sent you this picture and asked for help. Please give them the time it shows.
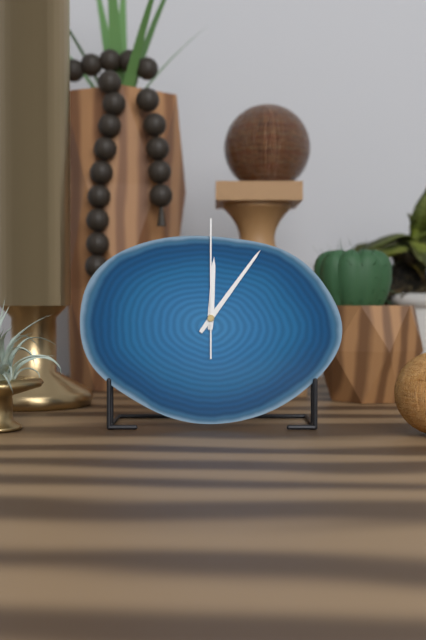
12:06:00
